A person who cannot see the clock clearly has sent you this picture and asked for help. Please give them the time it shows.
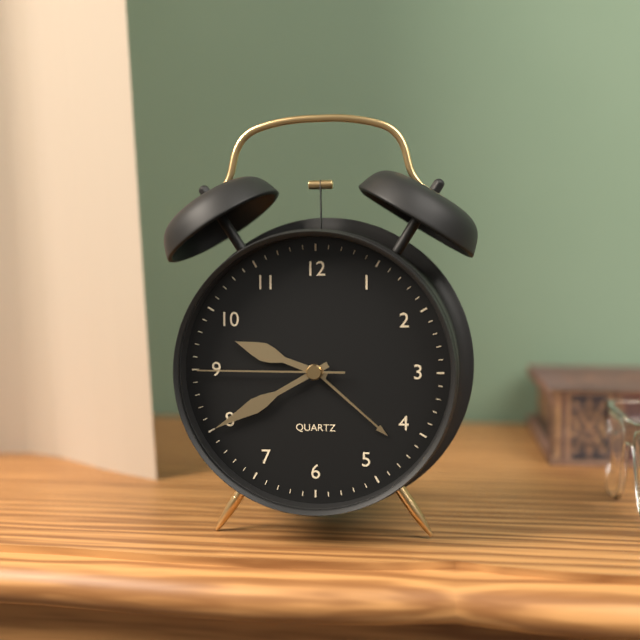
9:40:45
